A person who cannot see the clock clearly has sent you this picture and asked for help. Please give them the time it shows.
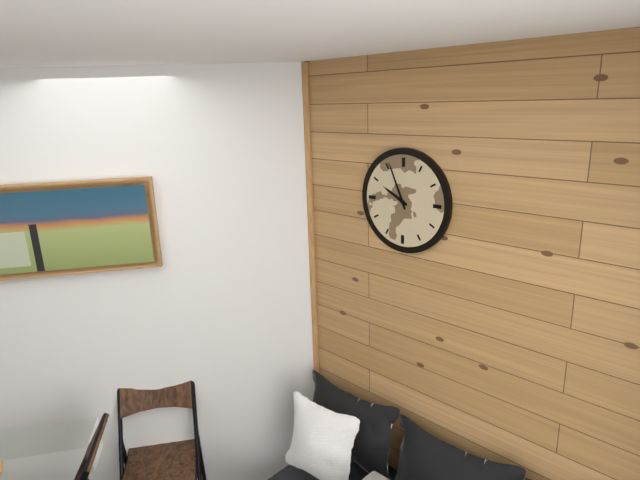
9:56
